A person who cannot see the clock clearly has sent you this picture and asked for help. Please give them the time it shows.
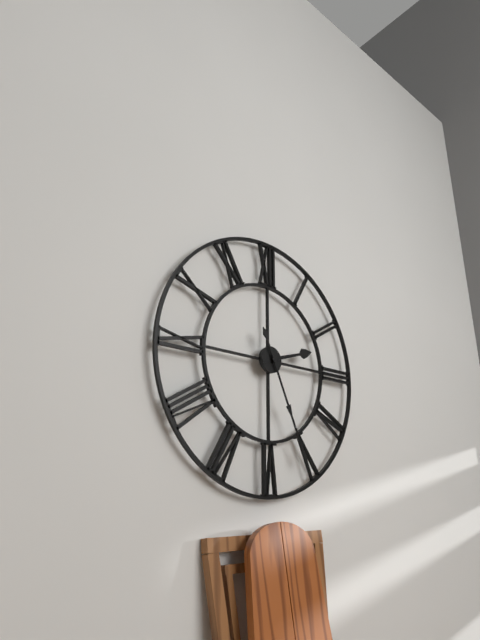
2:26
